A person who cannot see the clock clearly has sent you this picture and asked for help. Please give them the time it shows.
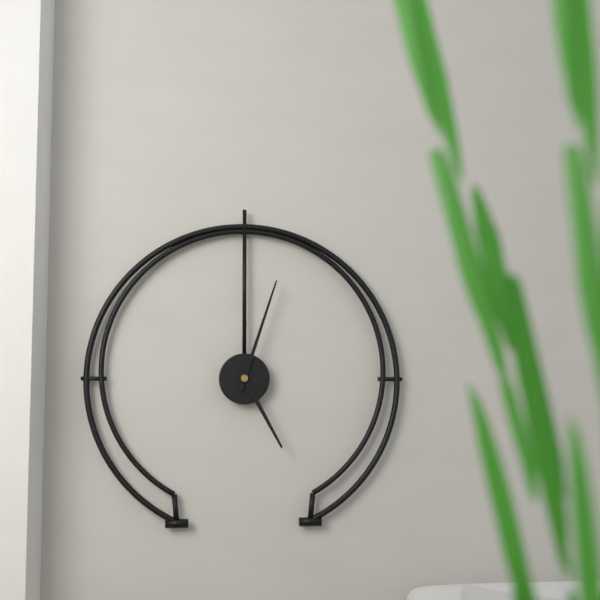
5:03
